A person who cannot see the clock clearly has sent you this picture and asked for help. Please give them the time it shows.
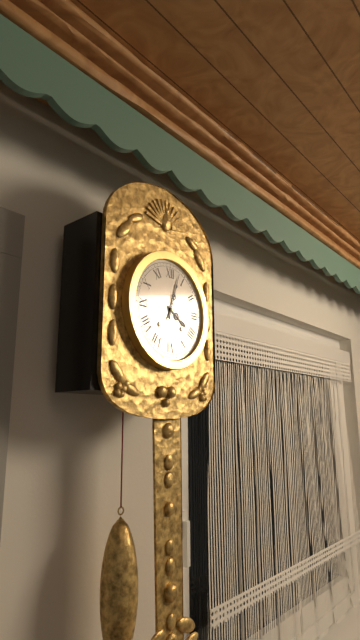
4:03
